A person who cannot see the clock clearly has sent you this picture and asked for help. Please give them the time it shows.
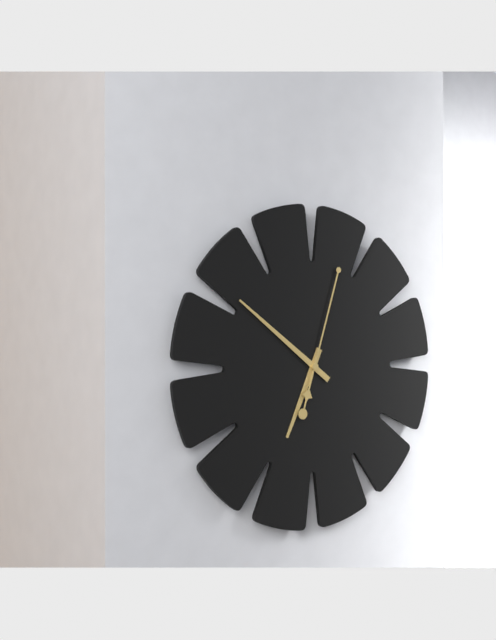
6:51:03
